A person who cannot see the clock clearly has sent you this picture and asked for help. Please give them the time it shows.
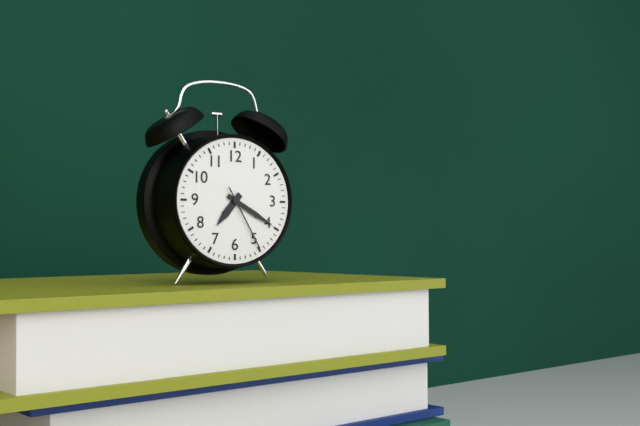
7:20:25
